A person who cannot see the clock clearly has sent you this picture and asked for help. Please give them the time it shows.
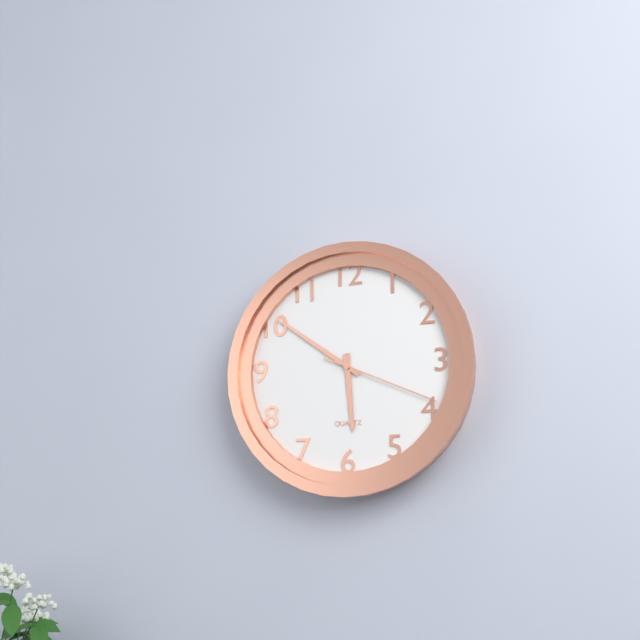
5:51:19
